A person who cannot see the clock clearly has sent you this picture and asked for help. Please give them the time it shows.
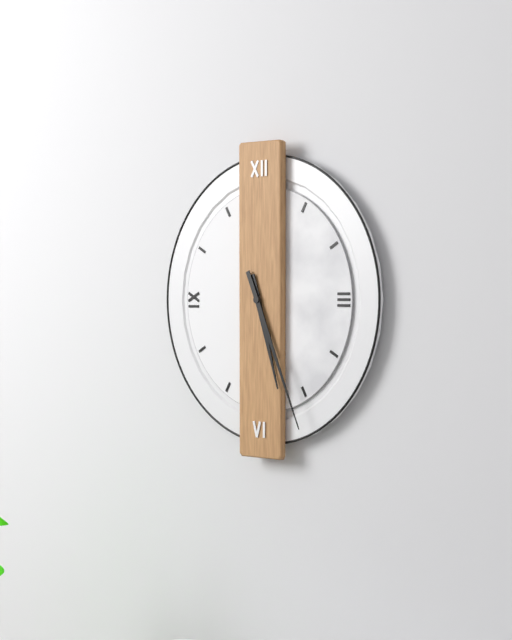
5:26
